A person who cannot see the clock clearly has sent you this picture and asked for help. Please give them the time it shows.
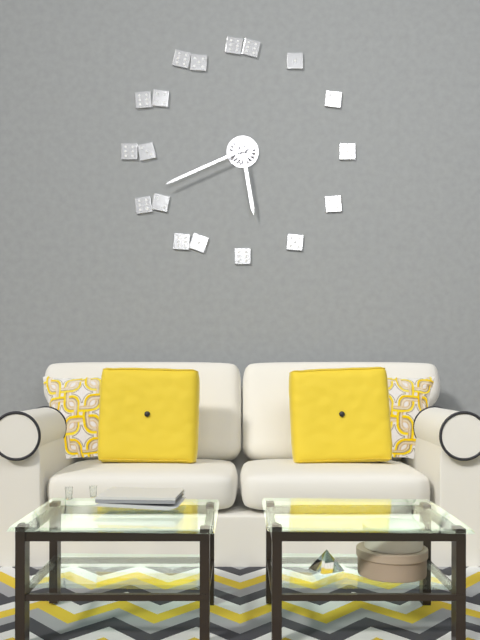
5:41
